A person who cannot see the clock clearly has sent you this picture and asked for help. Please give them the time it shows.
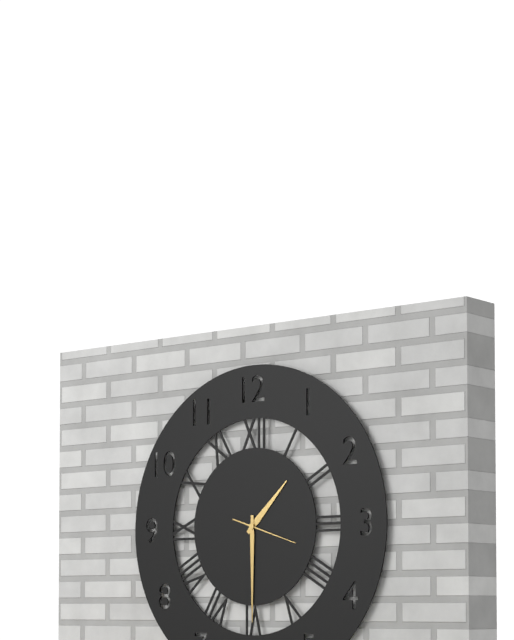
1:30:18
